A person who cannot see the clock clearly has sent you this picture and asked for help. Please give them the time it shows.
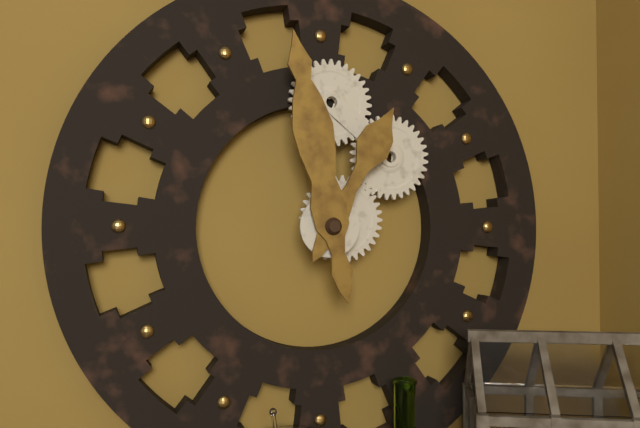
12:58
